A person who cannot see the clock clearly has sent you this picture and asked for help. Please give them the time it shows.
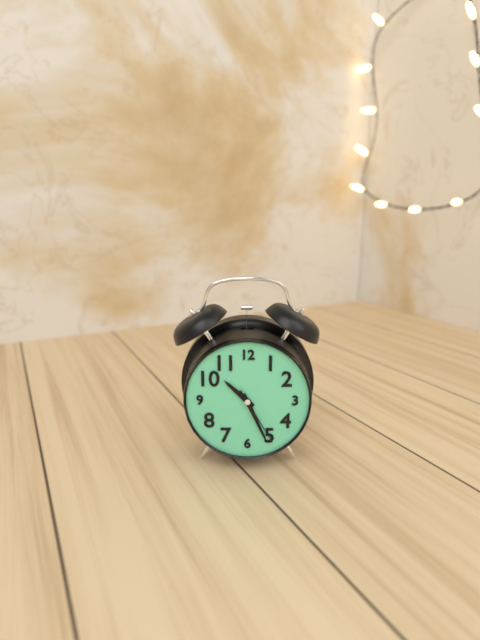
10:26:25
